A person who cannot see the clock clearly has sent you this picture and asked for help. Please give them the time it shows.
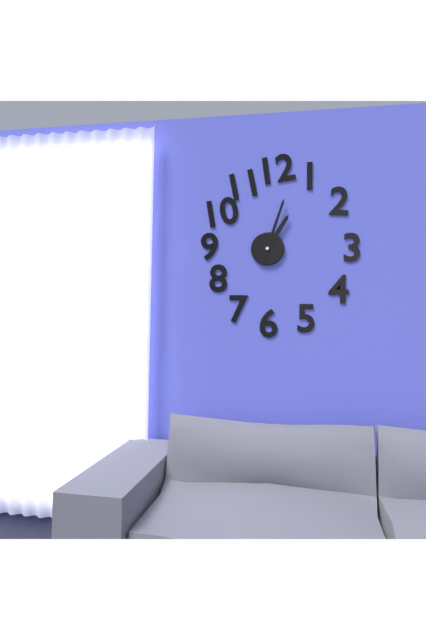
1:03
